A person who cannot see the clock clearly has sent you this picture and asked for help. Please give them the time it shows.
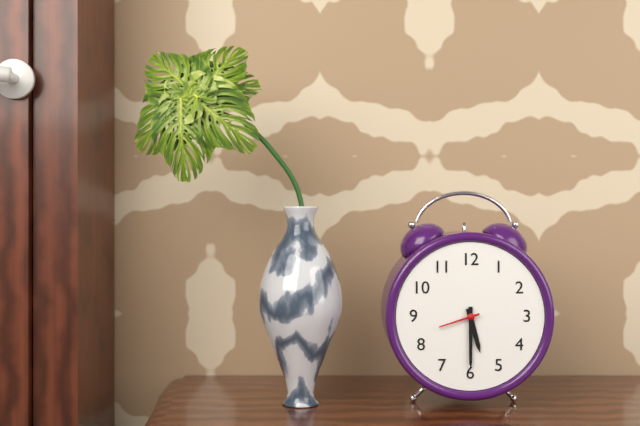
5:30
